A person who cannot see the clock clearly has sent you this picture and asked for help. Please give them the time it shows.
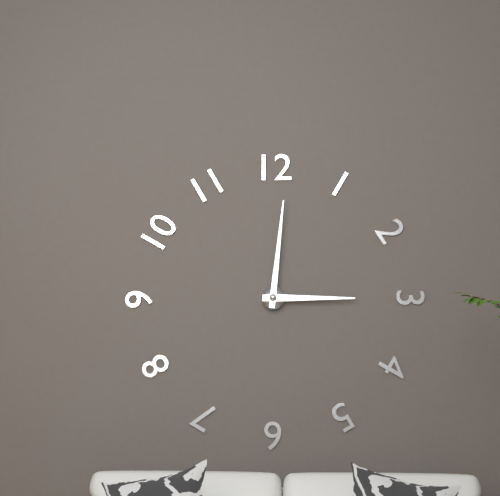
3:01
